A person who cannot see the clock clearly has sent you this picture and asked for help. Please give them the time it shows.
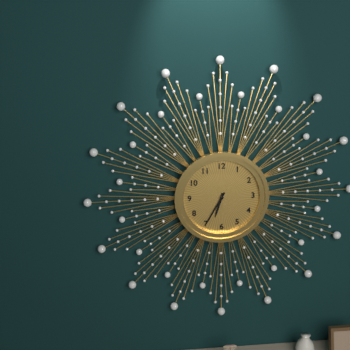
6:35
